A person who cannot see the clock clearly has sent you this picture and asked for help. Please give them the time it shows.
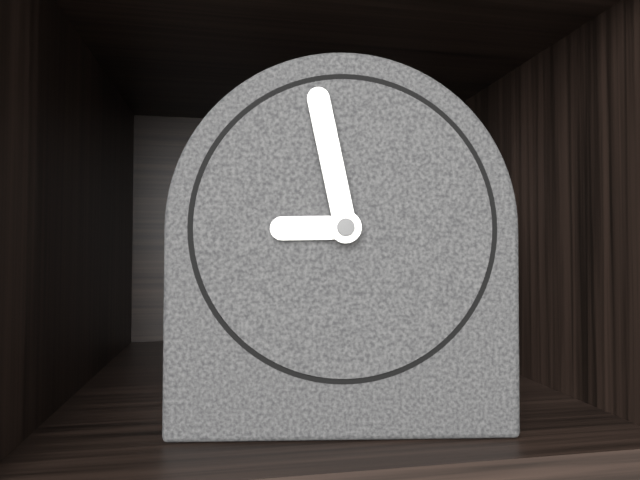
8:58
